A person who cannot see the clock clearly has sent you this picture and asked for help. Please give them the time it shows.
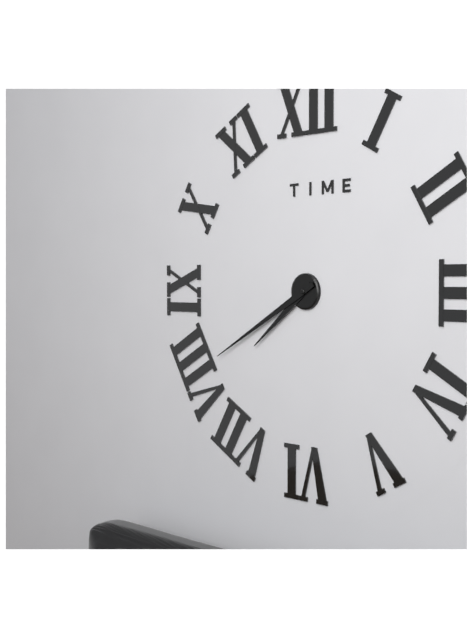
7:40
